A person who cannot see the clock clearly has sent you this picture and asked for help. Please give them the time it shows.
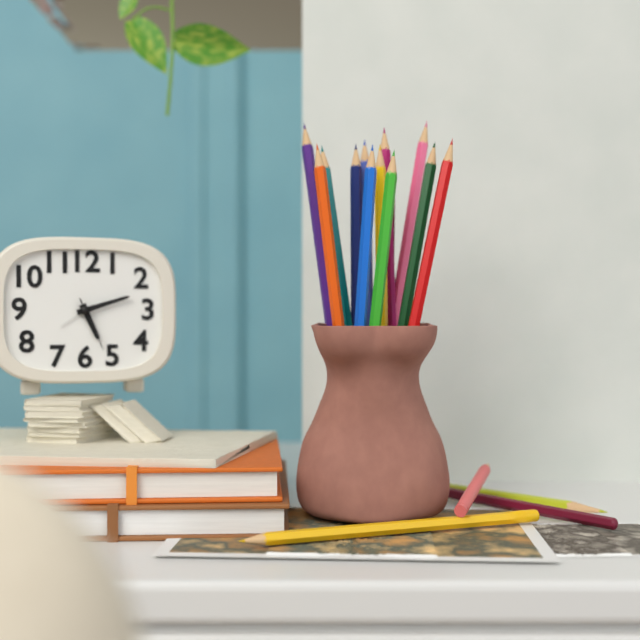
5:12:26
